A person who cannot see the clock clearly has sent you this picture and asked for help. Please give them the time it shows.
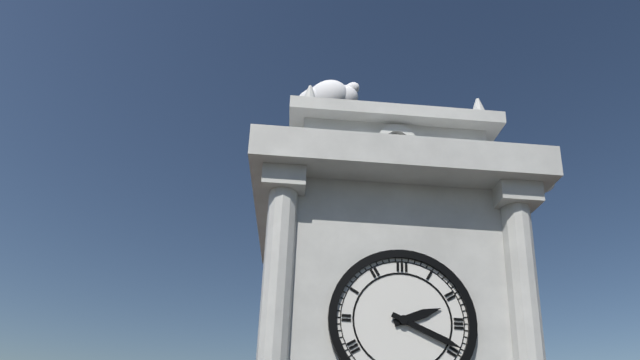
2:19
